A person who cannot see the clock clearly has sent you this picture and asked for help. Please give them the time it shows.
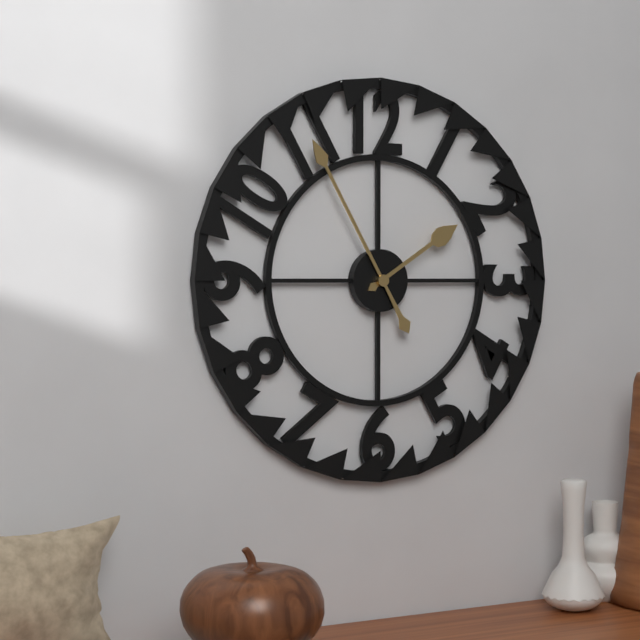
1:55
